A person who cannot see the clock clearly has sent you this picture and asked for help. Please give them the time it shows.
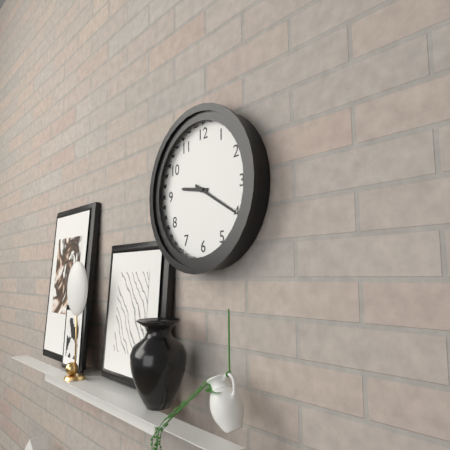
9:20
